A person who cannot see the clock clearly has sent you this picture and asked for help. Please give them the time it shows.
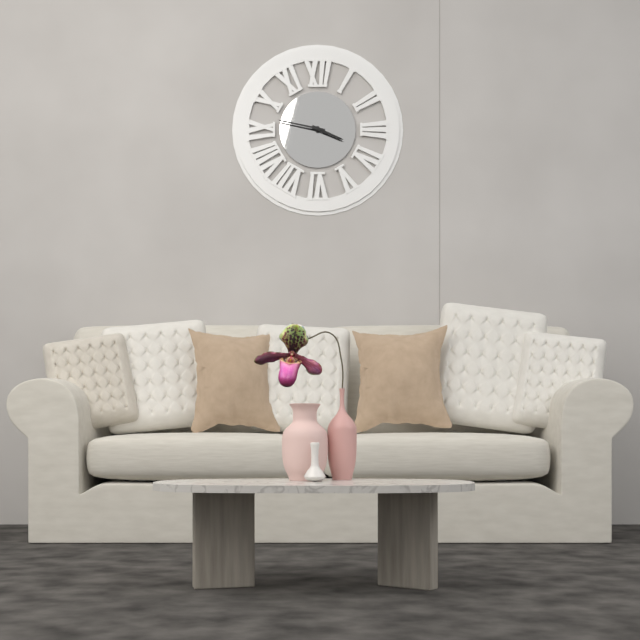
3:47
